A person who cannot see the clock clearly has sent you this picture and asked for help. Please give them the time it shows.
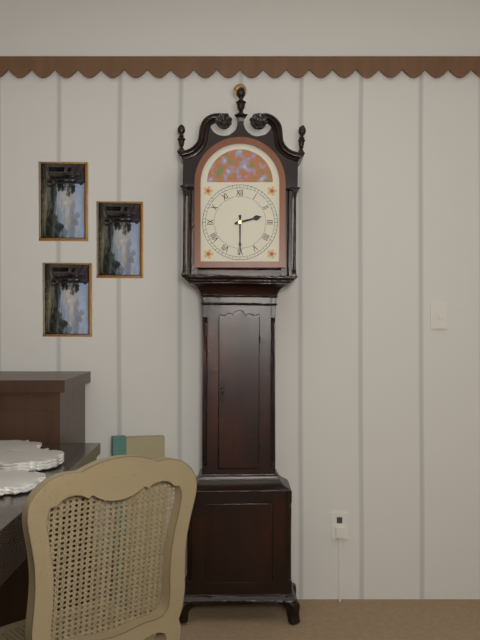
2:30
